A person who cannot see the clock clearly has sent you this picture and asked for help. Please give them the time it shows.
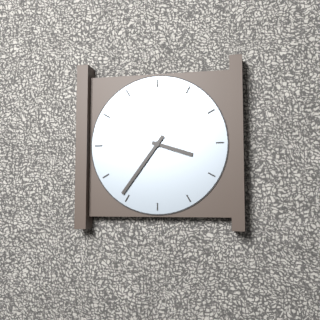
3:36
